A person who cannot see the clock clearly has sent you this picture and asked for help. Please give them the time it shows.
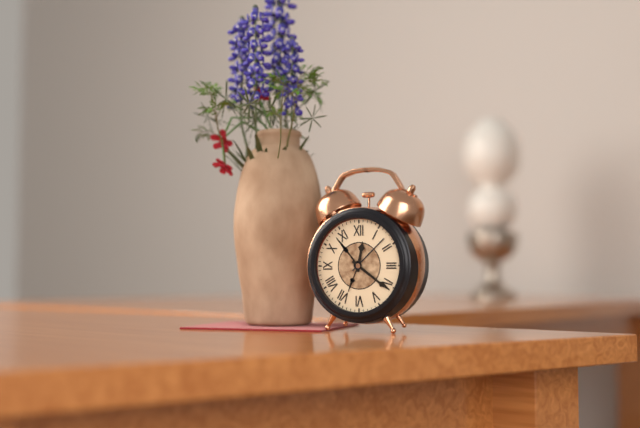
12:21
